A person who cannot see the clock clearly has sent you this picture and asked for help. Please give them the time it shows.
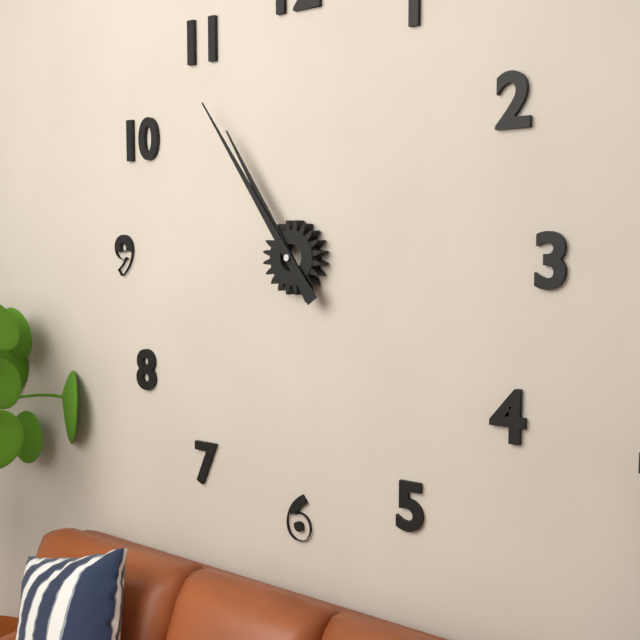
10:54
